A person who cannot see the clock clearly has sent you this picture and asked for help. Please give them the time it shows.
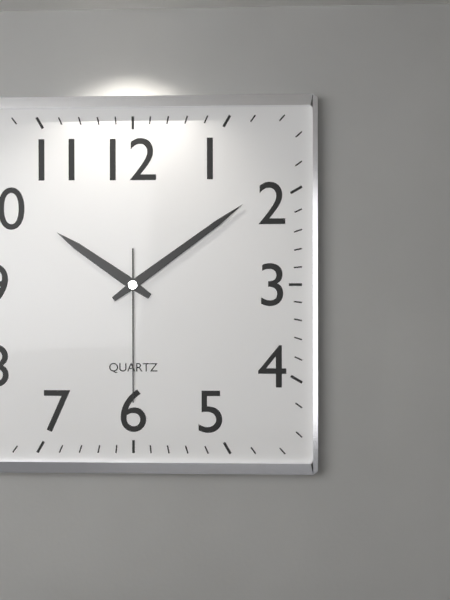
10:09:30
